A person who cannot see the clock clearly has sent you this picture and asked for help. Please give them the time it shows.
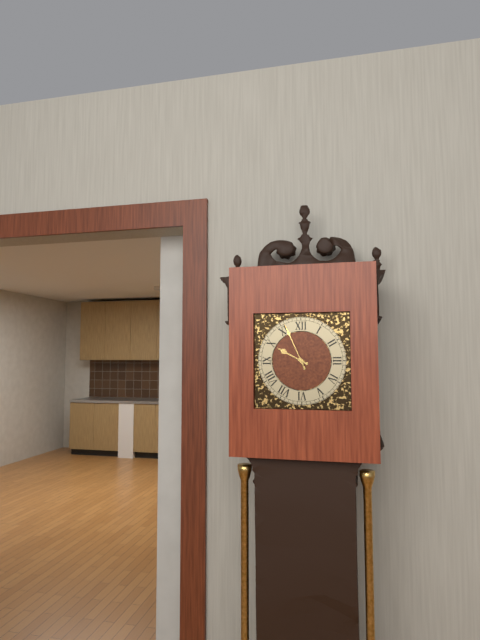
9:56
